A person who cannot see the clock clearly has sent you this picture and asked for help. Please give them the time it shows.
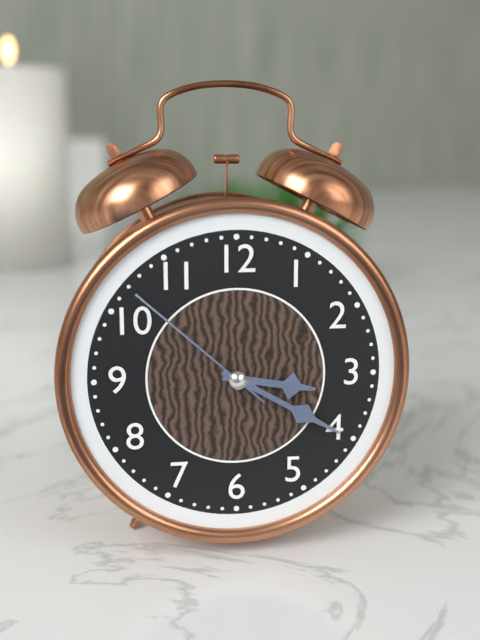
3:20:52
